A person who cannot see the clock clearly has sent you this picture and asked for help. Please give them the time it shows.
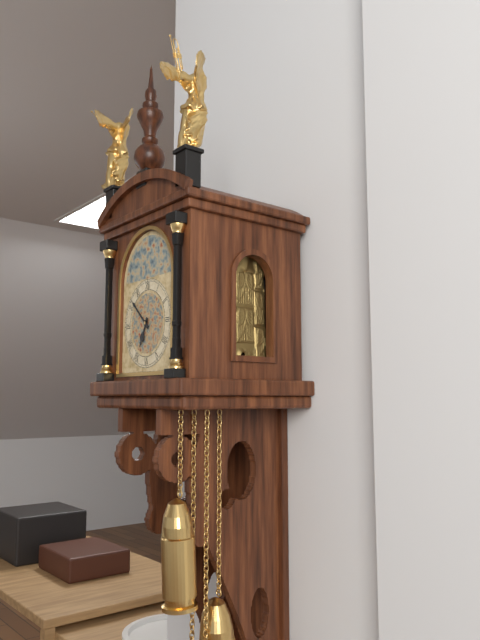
6:52
